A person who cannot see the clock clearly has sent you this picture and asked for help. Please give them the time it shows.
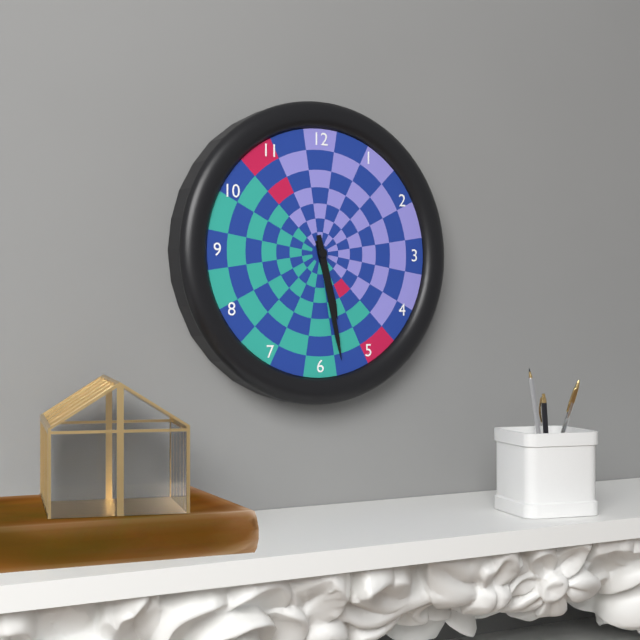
5:28
